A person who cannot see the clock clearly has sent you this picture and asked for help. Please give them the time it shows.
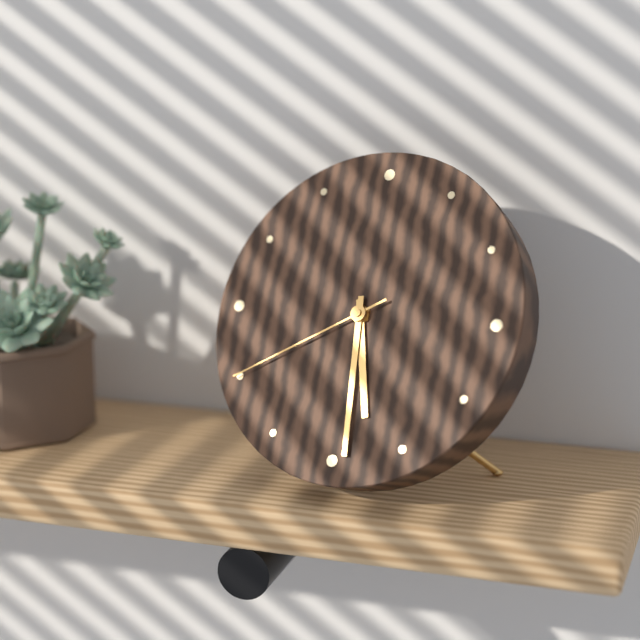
5:29:40
